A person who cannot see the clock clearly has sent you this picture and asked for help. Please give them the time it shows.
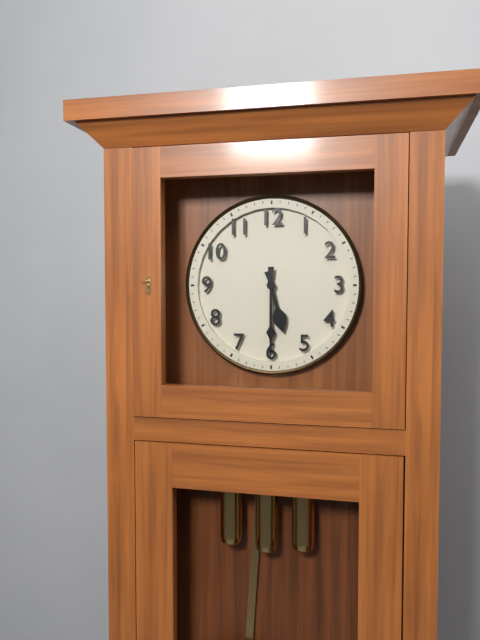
5:30
